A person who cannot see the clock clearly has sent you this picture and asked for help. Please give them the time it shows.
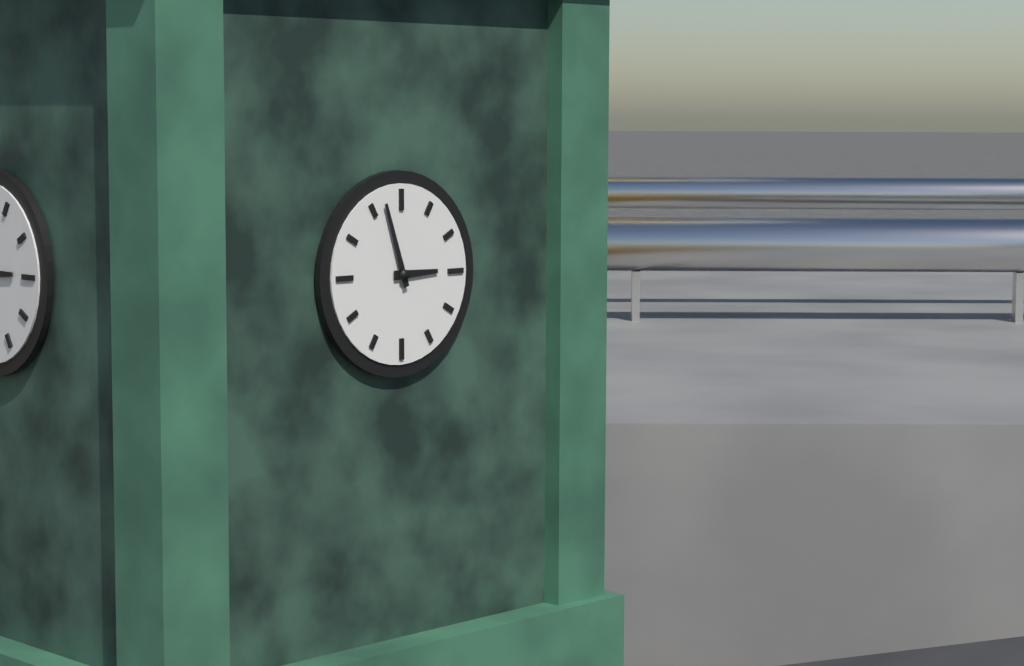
2:57
